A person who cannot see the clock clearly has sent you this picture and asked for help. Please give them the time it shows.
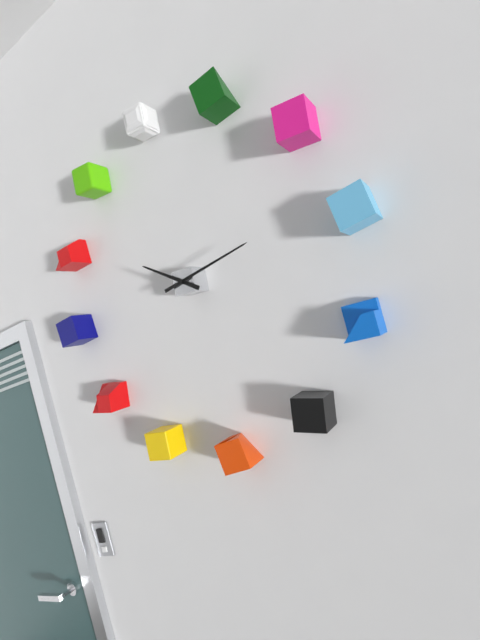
10:14
